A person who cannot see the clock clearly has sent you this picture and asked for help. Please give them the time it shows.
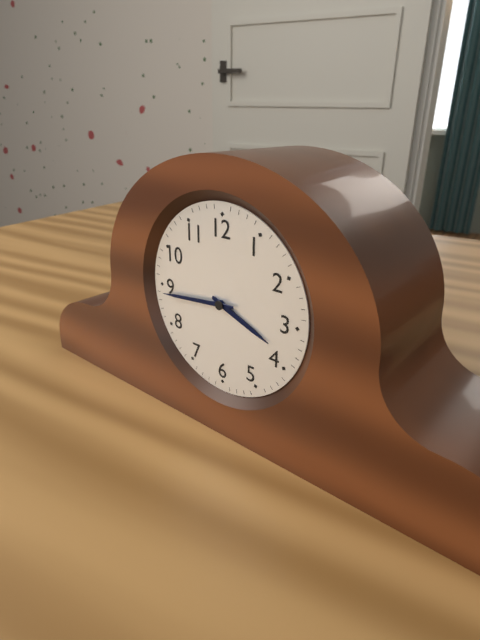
3:44
